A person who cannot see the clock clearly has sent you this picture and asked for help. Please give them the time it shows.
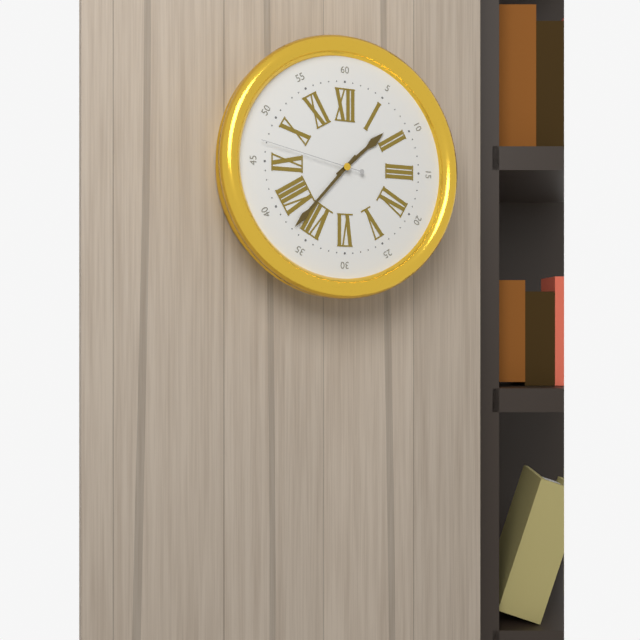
1:37:47
